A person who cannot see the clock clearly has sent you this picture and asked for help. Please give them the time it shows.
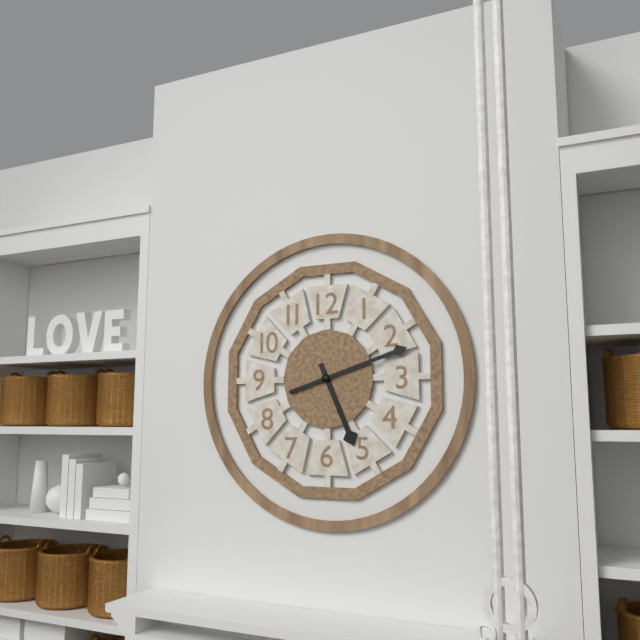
5:12
